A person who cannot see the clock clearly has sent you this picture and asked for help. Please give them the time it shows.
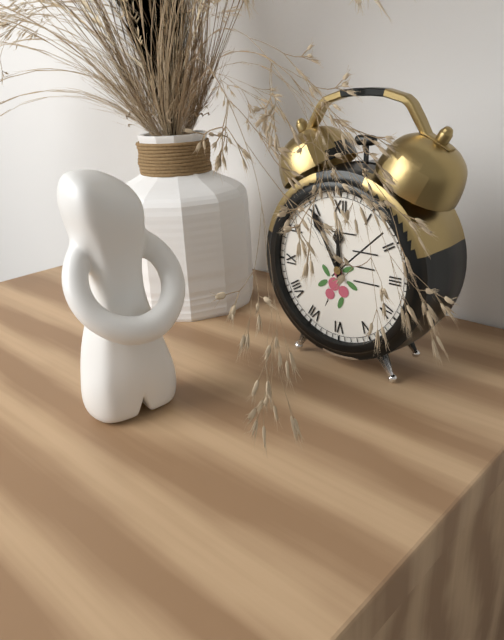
11:55
